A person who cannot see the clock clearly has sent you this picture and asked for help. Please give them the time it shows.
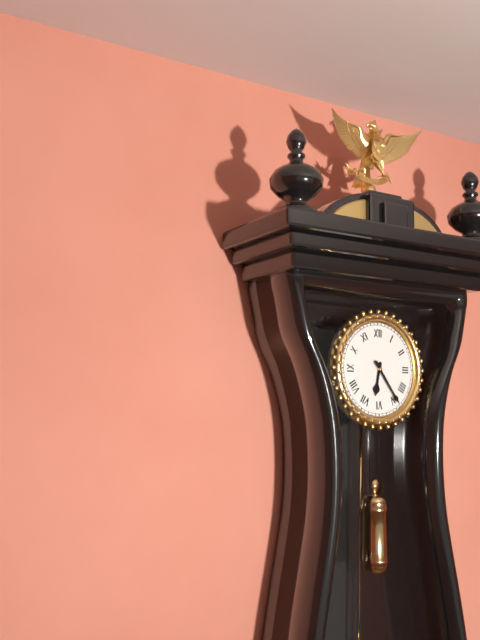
6:24
